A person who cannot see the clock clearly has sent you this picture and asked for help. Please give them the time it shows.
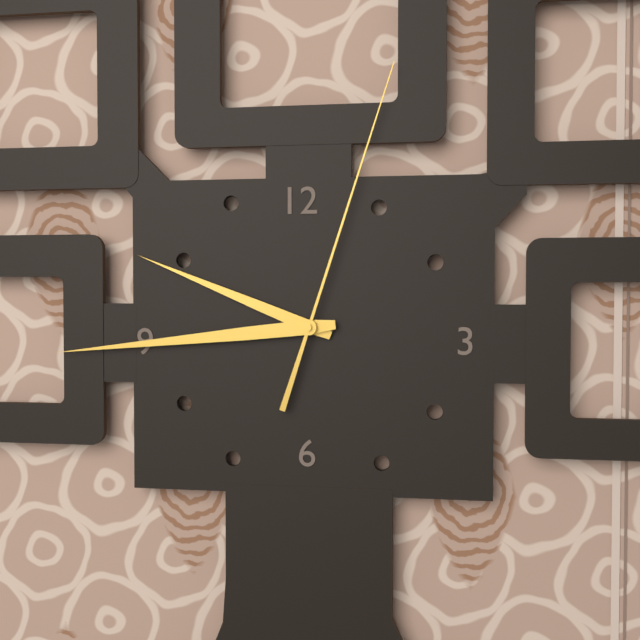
9:44:03
